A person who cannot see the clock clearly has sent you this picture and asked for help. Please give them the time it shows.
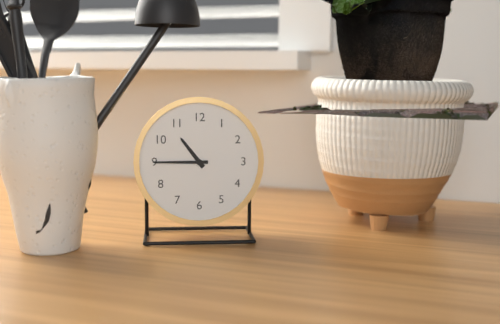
10:45
